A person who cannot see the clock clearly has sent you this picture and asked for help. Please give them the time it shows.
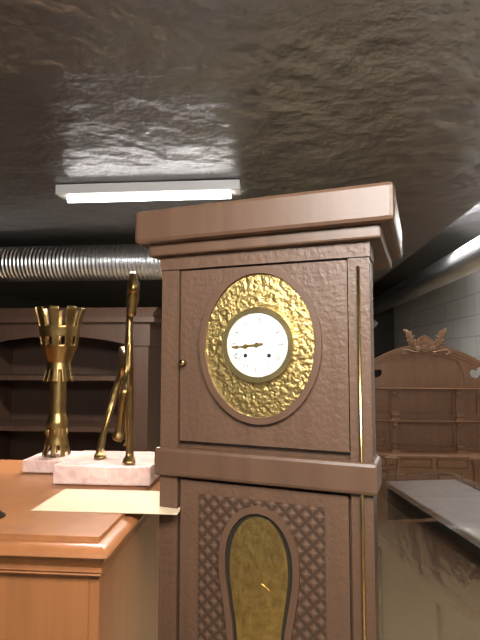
8:44
